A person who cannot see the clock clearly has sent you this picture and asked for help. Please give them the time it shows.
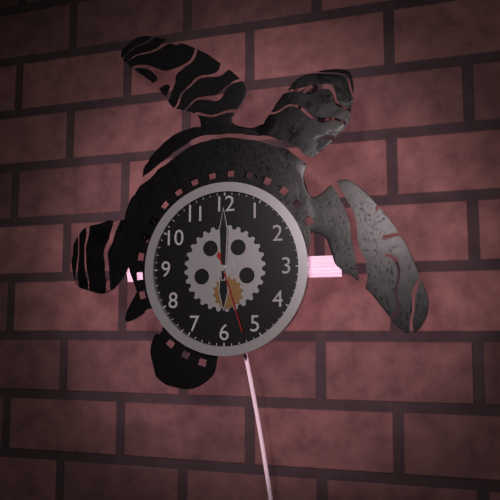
6:00:27
